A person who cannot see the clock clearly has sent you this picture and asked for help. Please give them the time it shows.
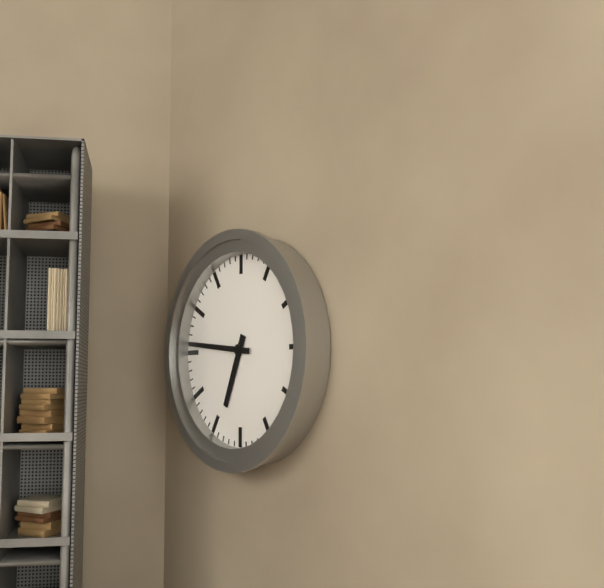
6:46
